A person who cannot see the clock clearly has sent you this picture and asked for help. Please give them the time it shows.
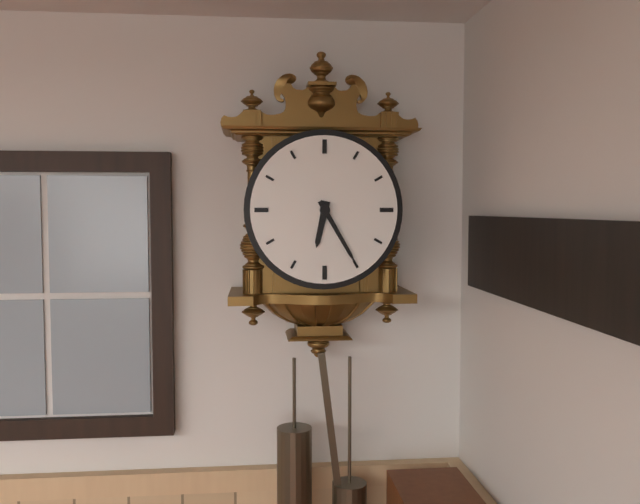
6:25
